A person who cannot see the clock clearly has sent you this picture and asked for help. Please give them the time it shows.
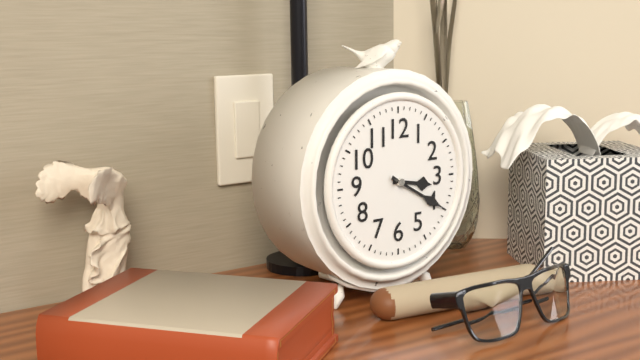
3:20
